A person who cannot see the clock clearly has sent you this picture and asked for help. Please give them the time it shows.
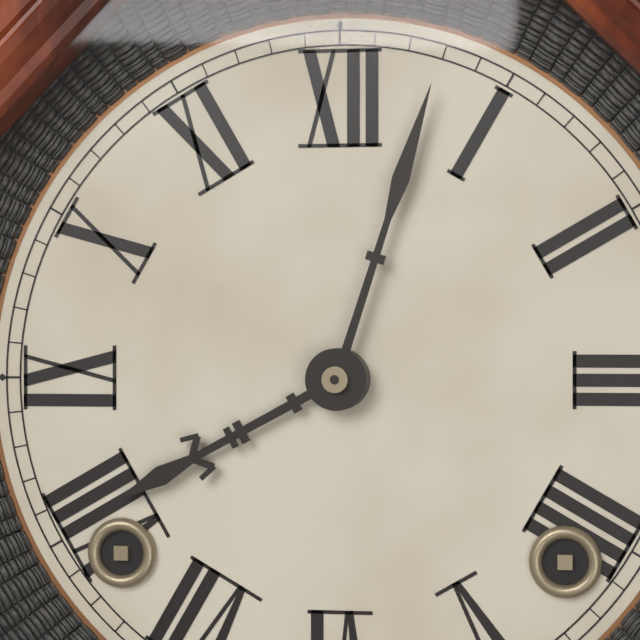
8:03
